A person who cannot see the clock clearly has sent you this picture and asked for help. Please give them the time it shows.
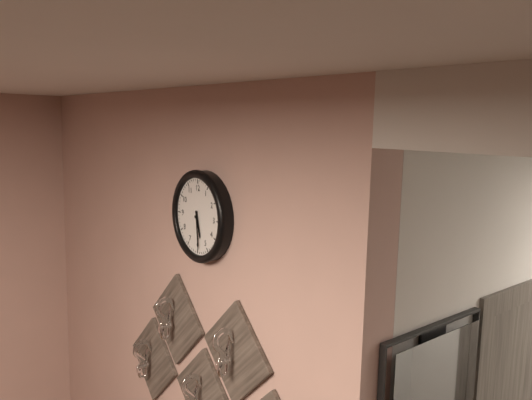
5:29
